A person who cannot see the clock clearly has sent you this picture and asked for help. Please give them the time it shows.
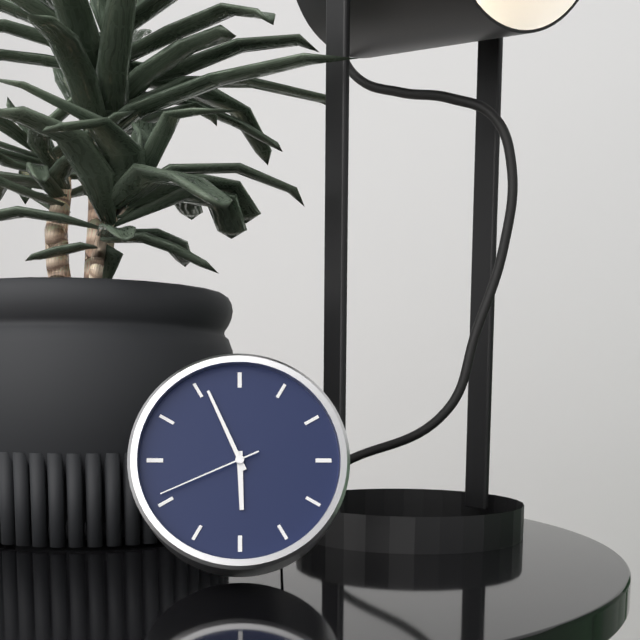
5:56:41
